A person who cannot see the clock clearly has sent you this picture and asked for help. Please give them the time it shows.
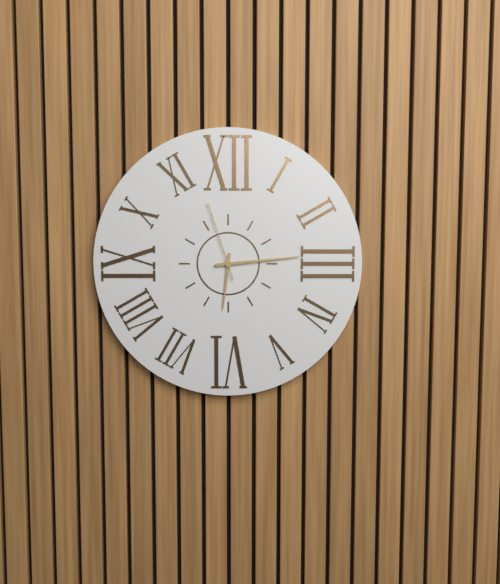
6:14:57
